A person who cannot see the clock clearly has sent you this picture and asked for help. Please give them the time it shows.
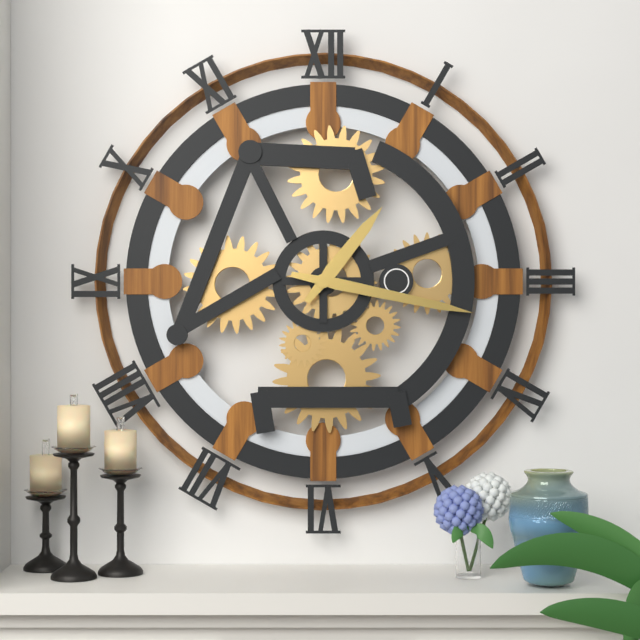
1:17
